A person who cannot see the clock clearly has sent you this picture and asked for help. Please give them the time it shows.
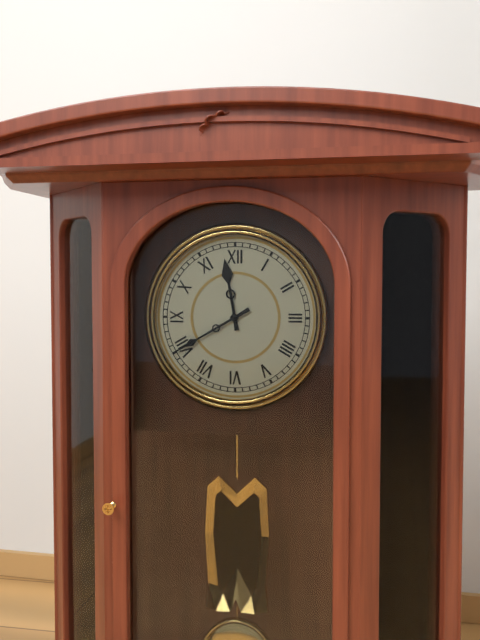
11:40
